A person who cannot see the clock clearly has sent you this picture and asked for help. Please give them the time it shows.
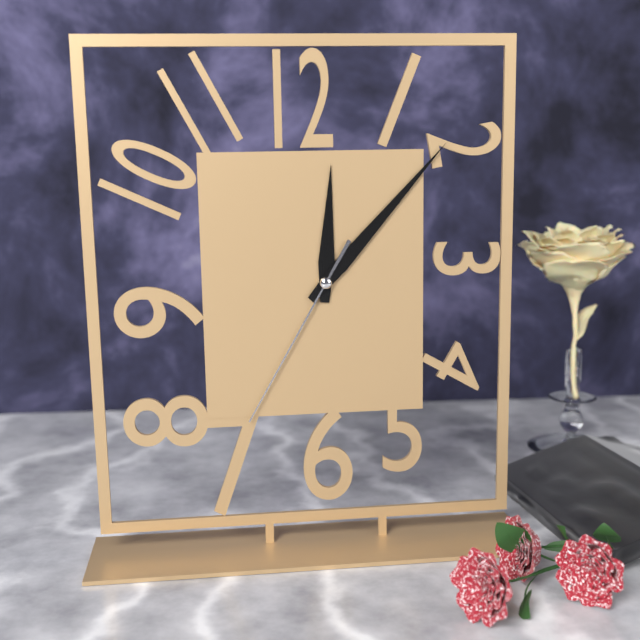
12:07:35
